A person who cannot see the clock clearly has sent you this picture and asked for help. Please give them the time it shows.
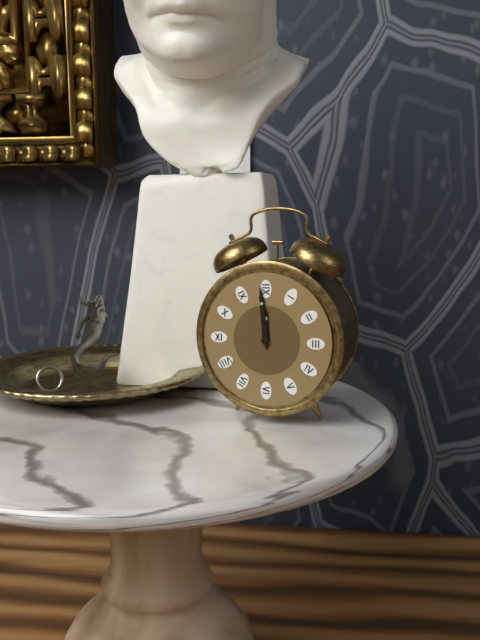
11:59
